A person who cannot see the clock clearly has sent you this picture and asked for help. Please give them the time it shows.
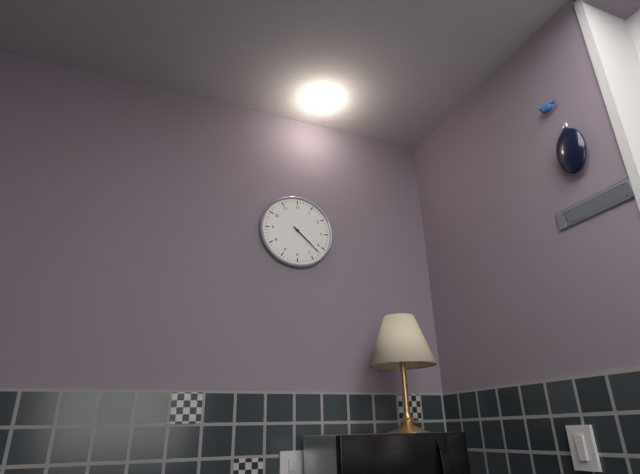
4:22
